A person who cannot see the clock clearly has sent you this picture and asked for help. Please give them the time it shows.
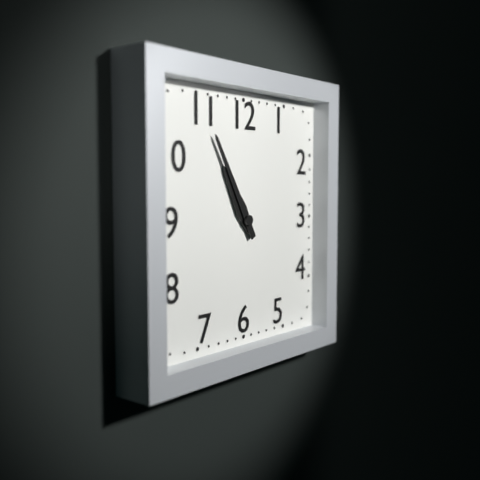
10:55
